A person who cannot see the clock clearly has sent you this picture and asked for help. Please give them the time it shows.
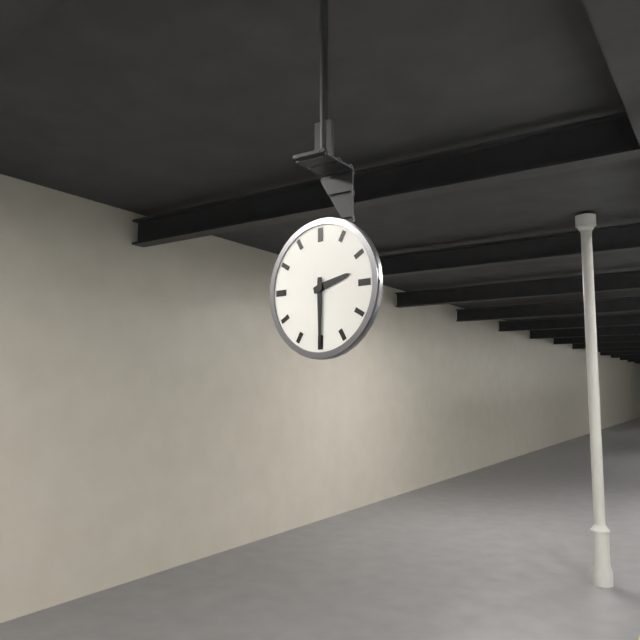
2:30
